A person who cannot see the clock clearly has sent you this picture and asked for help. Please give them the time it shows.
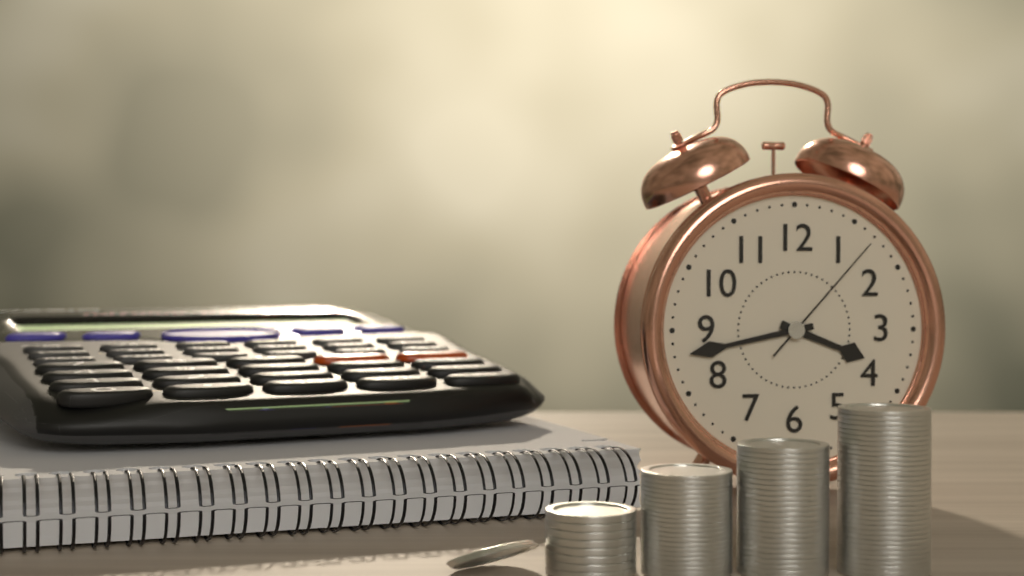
3:43:07
